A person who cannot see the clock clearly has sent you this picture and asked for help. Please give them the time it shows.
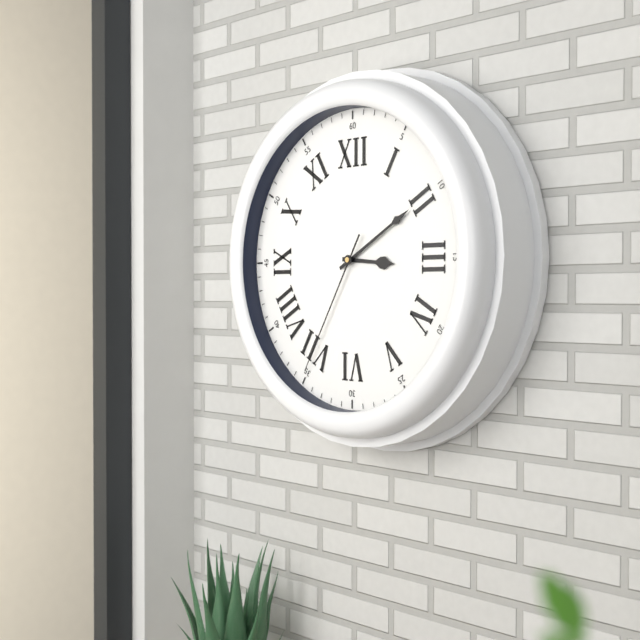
3:10:35
